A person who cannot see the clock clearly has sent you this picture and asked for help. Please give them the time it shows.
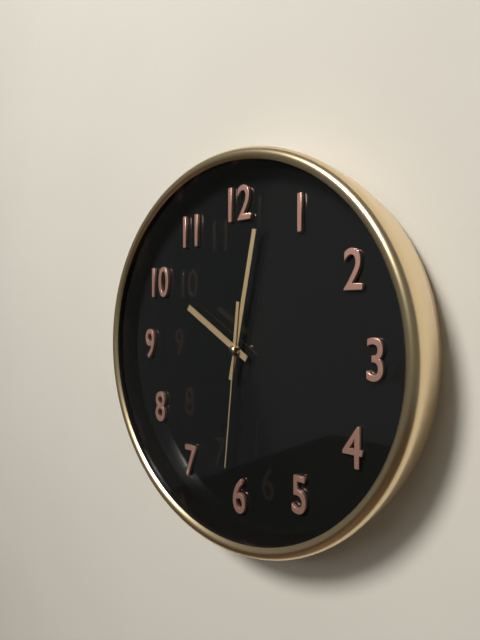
10:02:31
